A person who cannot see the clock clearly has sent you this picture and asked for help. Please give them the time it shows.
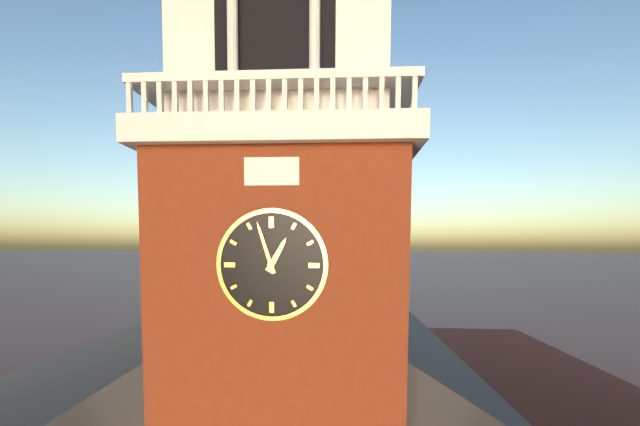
12:57
